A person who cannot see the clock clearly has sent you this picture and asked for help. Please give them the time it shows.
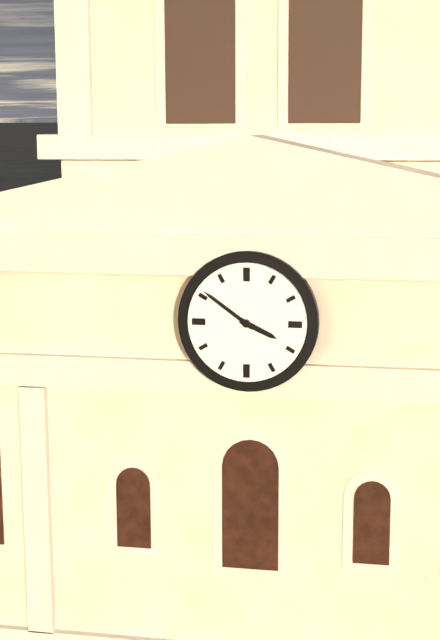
3:51
